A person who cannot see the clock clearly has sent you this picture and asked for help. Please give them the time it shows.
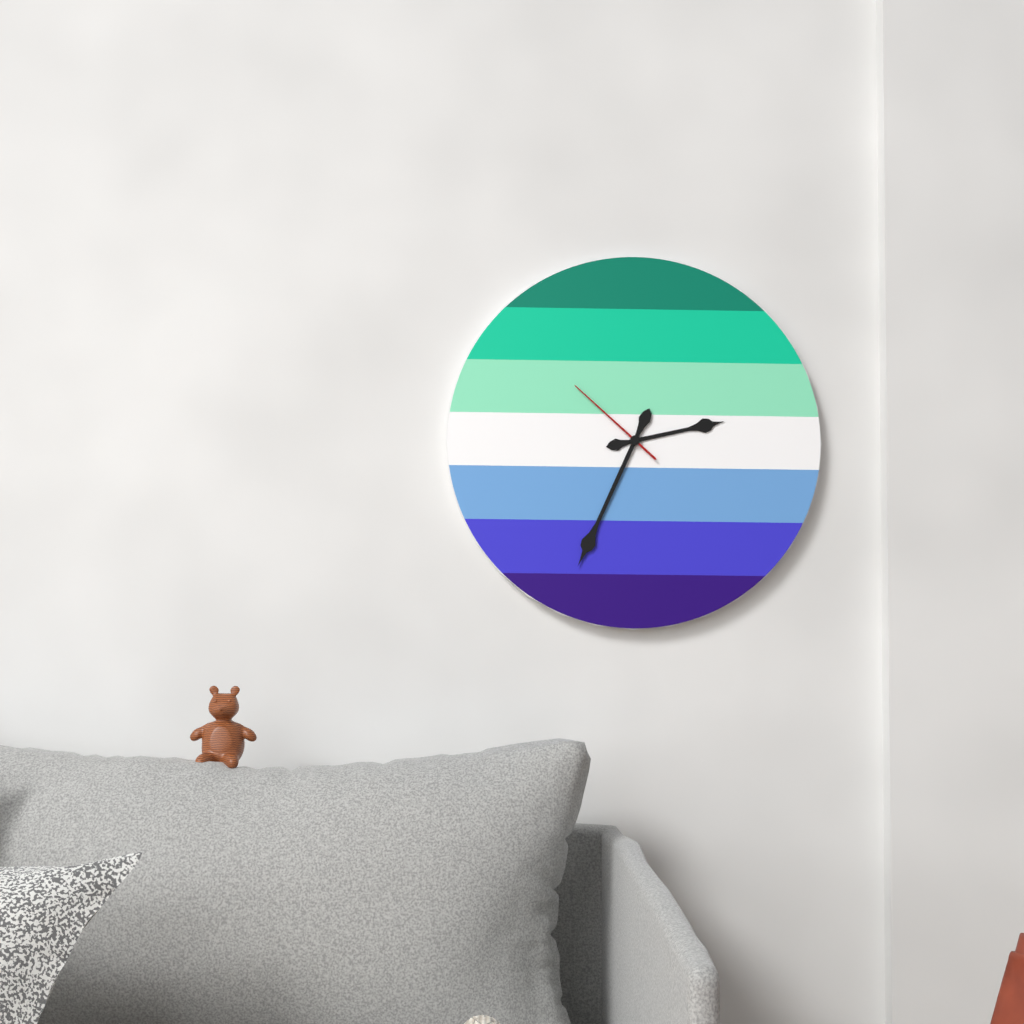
2:34:52
